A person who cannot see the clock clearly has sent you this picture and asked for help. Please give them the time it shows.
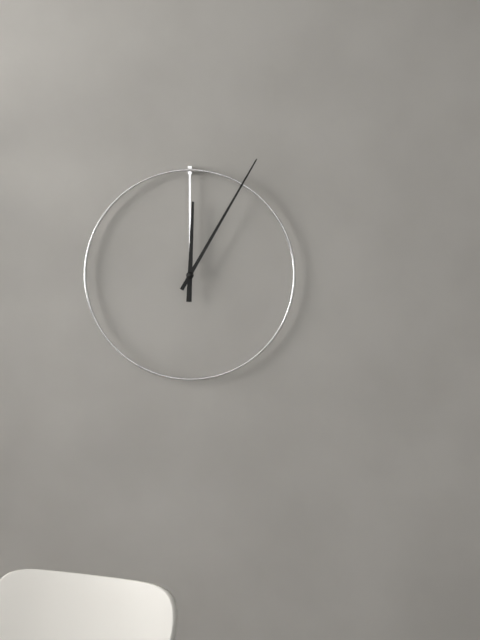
12:05
